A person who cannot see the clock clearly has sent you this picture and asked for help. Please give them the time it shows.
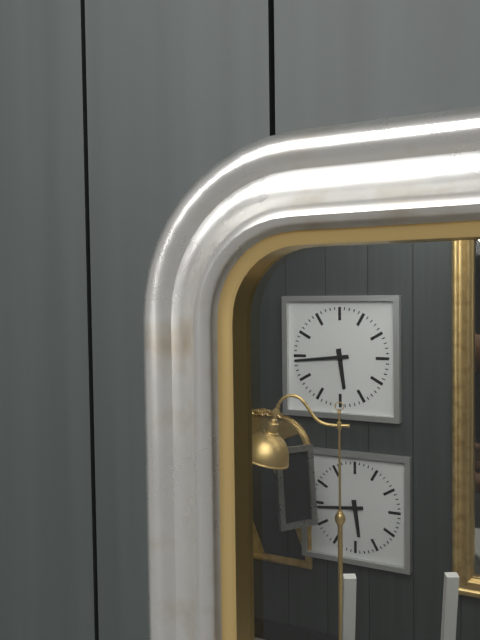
5:44
